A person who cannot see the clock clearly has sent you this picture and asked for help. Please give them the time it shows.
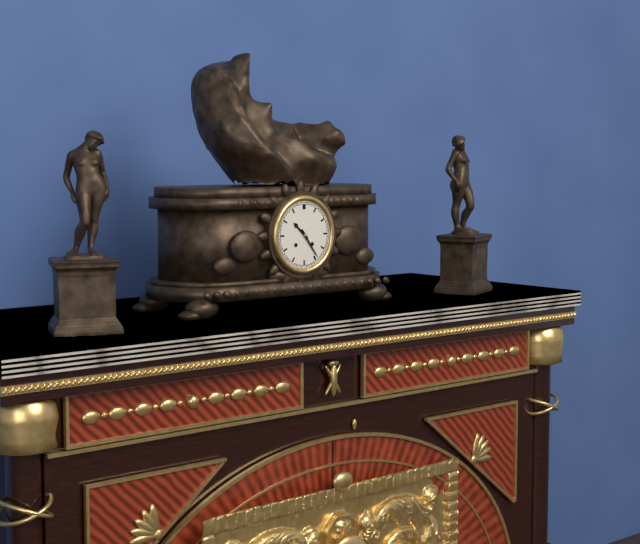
10:24
